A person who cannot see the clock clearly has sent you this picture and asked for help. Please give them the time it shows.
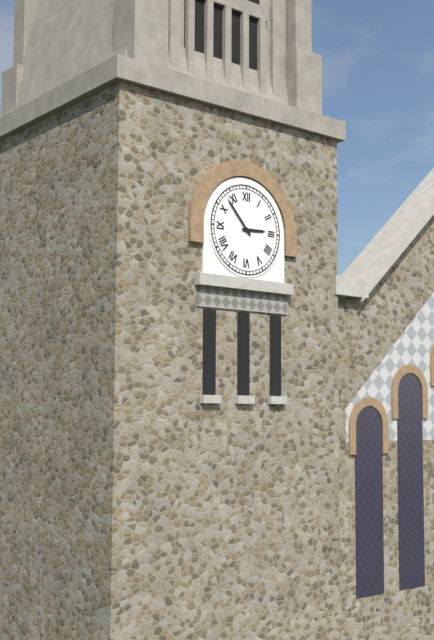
2:53
